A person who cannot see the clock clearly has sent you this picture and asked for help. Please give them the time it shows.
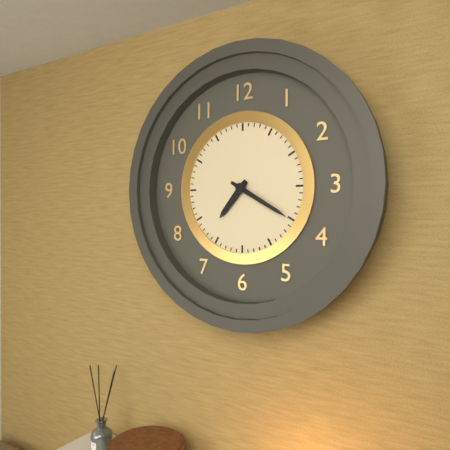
7:20
